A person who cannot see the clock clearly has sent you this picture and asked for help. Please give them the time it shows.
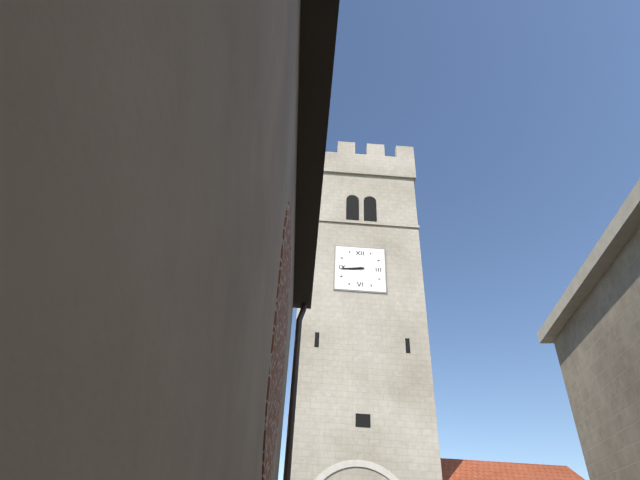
8:44
